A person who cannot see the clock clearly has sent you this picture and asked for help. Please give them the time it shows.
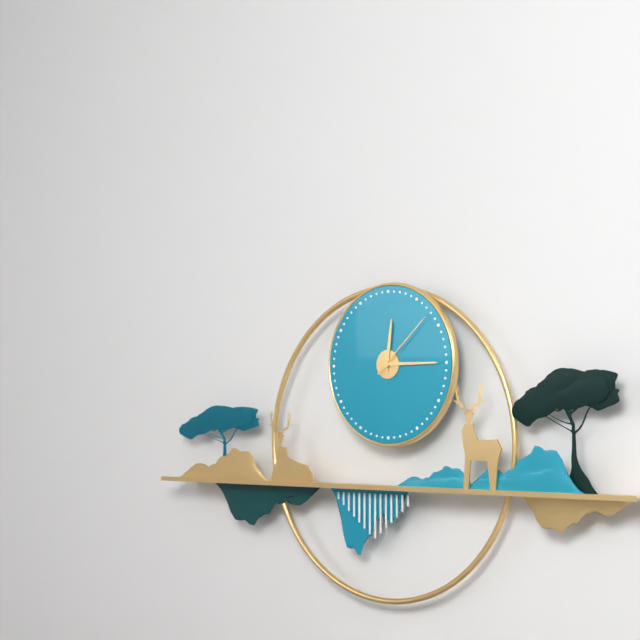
12:15:08
